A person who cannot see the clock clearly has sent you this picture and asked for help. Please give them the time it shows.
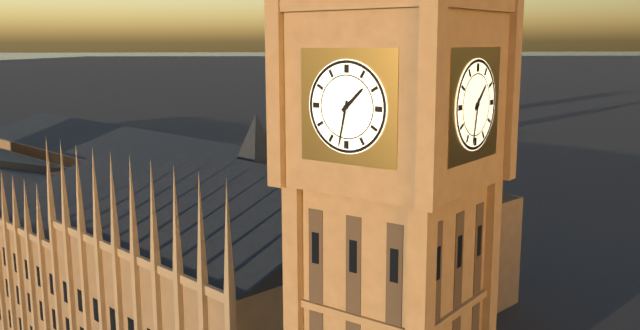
1:32
